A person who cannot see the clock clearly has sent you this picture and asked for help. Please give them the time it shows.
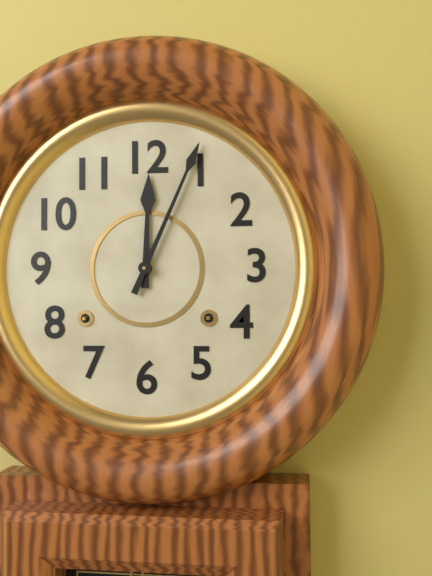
12:04
